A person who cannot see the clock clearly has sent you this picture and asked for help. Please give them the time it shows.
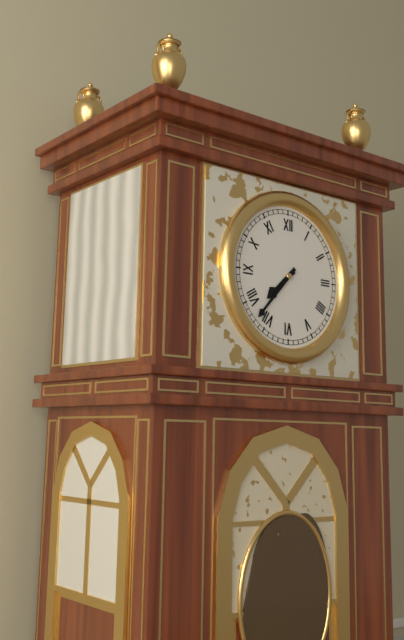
7:37
